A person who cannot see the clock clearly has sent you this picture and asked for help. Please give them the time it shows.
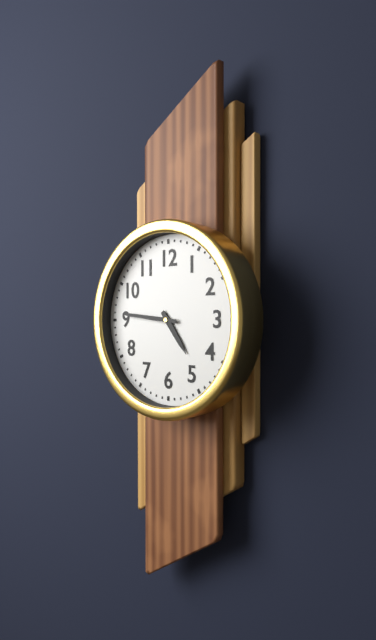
4:46
